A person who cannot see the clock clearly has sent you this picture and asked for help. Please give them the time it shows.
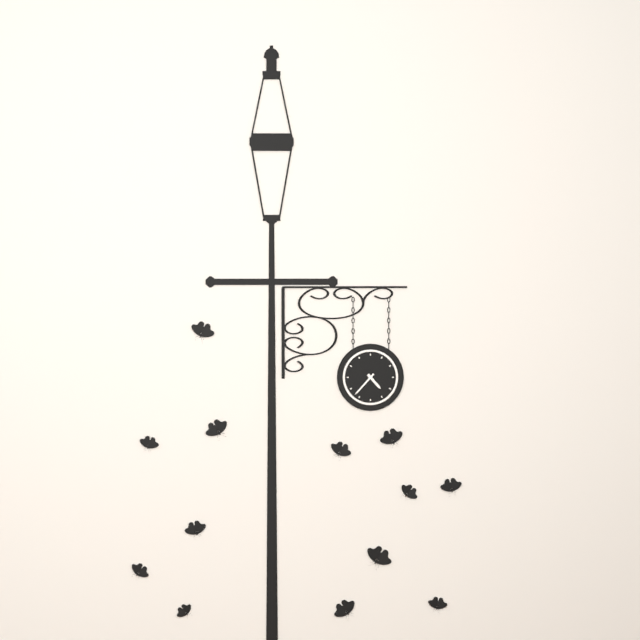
4:37
